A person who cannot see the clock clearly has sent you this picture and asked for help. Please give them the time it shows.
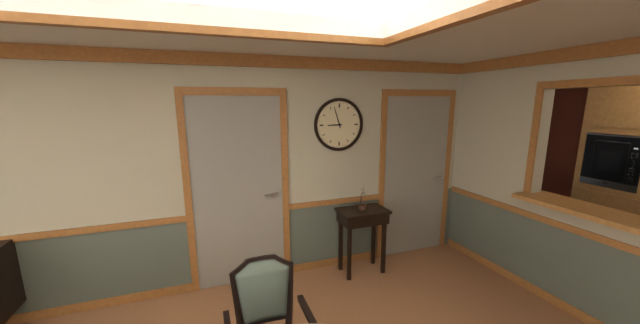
8:57
